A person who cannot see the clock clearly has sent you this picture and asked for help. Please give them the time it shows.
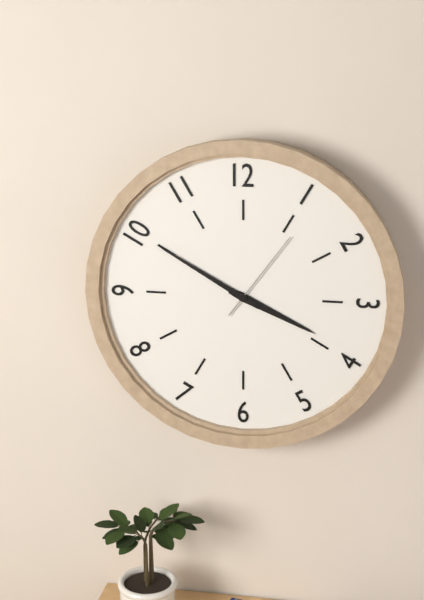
3:50:06
